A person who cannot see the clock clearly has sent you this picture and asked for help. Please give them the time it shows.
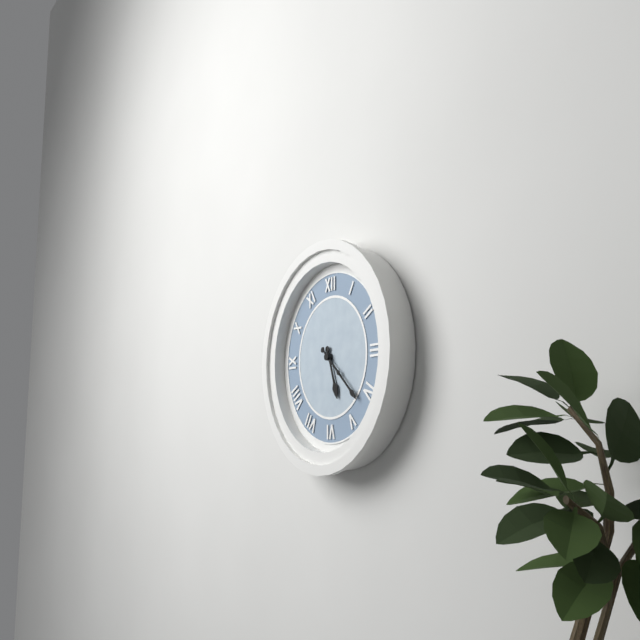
5:22
